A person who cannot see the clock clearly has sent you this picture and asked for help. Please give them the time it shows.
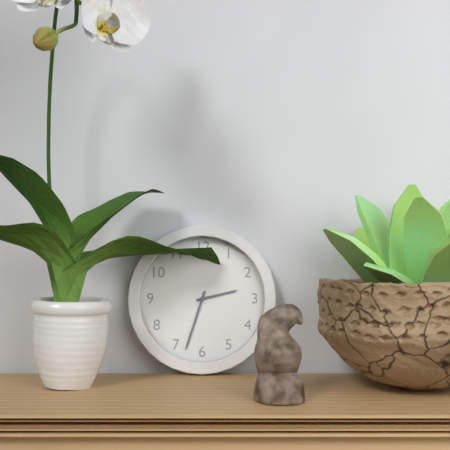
2:33
